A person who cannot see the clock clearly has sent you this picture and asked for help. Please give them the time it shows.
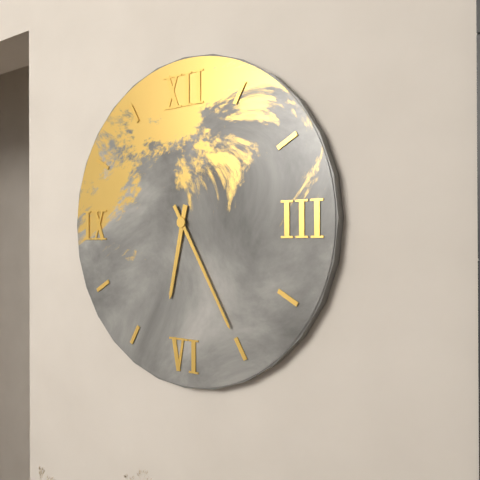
6:25
